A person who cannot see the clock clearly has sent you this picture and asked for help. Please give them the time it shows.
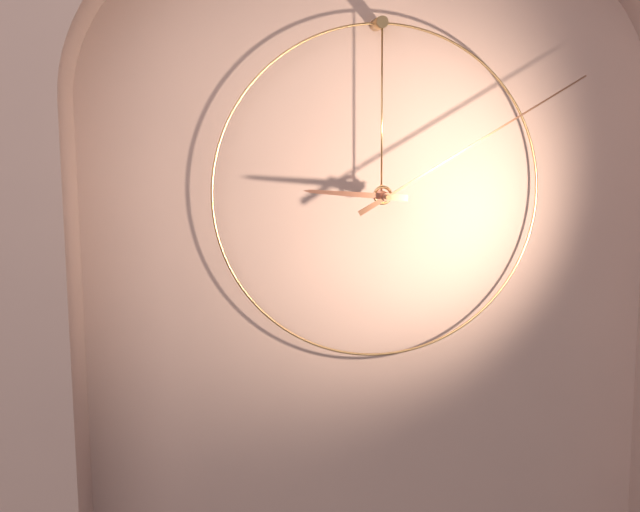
9:10
